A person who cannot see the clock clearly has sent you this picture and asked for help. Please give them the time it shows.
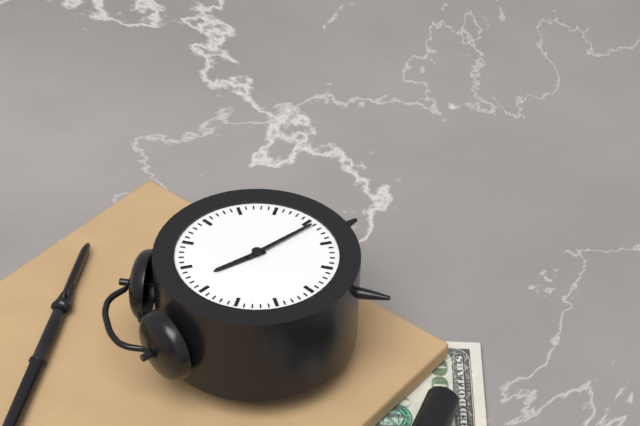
11:26
